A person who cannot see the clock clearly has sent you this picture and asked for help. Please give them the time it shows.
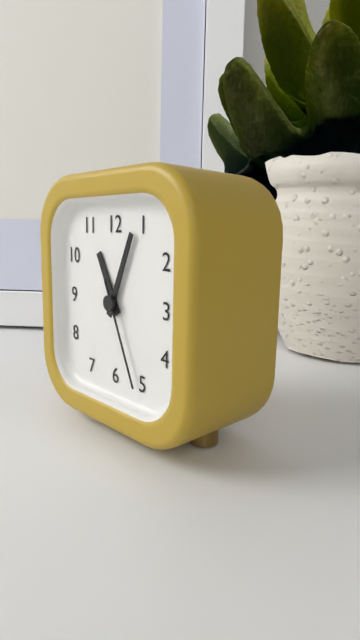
11:04:26
